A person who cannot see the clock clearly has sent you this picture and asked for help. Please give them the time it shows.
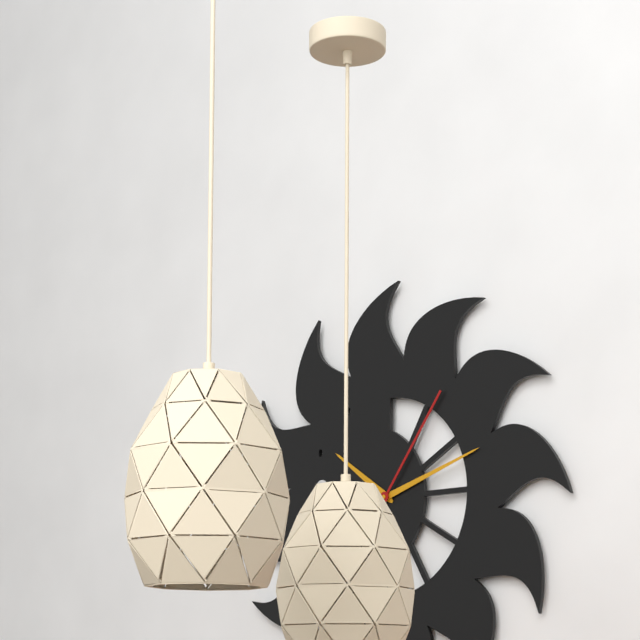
10:12:06
